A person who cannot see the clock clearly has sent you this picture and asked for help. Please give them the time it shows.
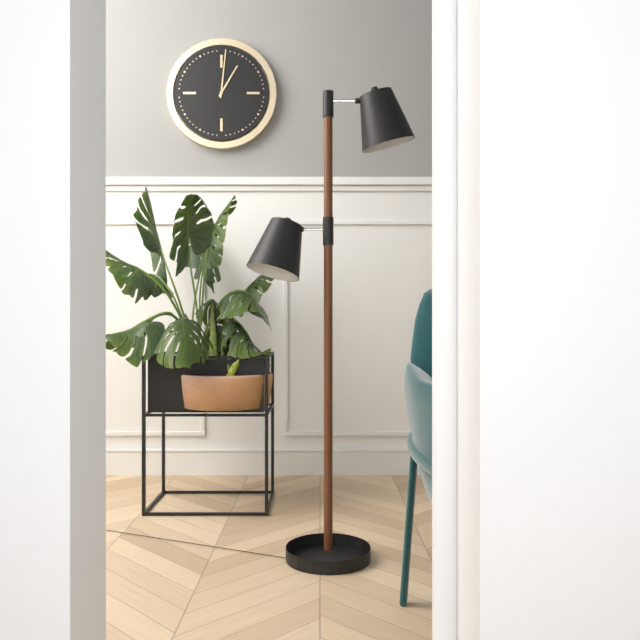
1:01
